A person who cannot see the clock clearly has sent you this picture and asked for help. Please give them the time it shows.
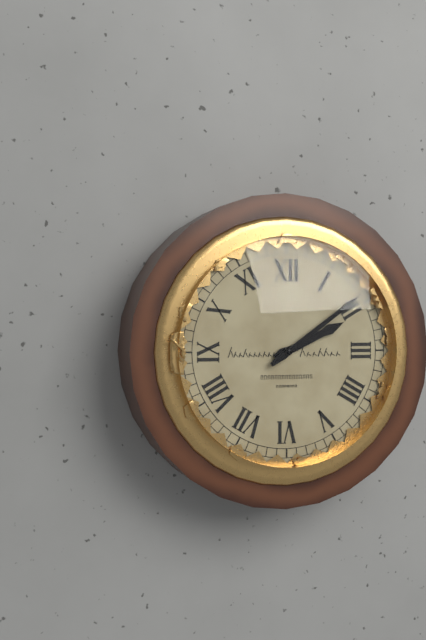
2:09
